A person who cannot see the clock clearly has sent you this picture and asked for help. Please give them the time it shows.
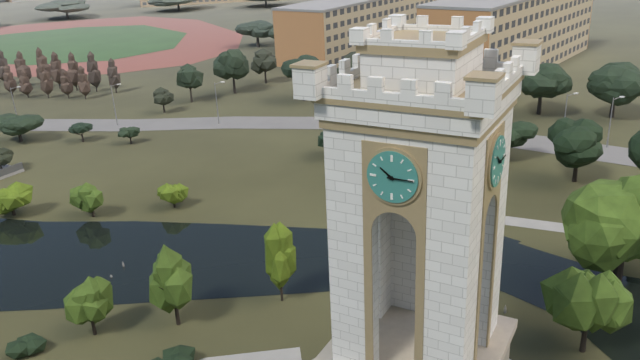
10:15
